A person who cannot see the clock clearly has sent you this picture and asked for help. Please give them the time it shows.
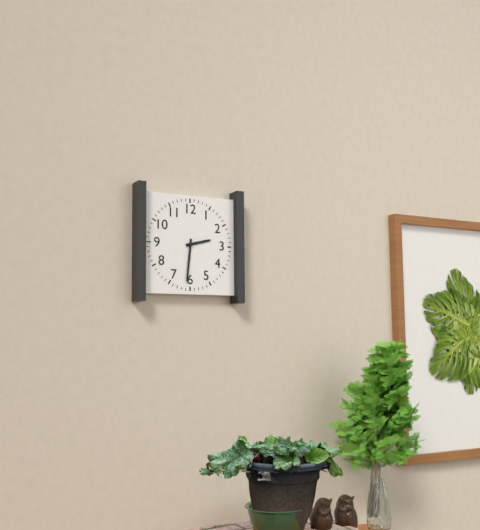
2:31
